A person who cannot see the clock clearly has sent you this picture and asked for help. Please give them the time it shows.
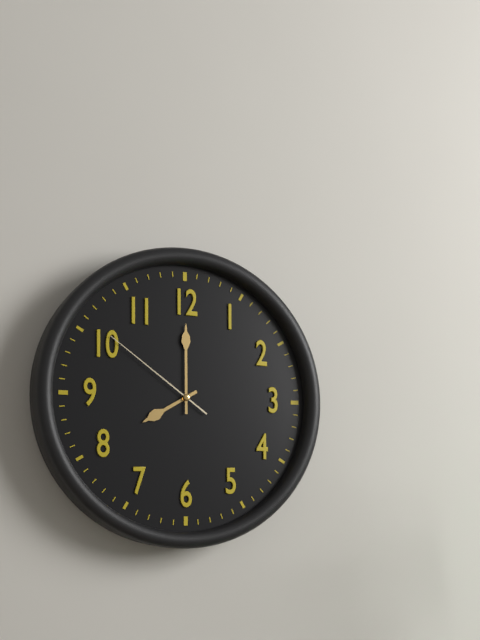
8:00:51
